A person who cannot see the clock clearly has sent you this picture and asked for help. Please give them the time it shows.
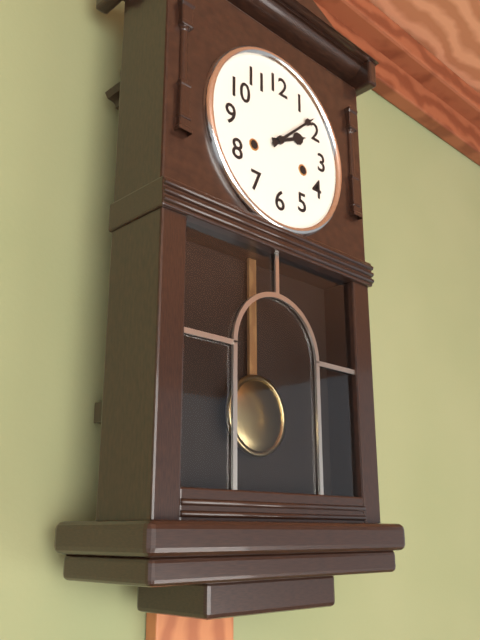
2:08
